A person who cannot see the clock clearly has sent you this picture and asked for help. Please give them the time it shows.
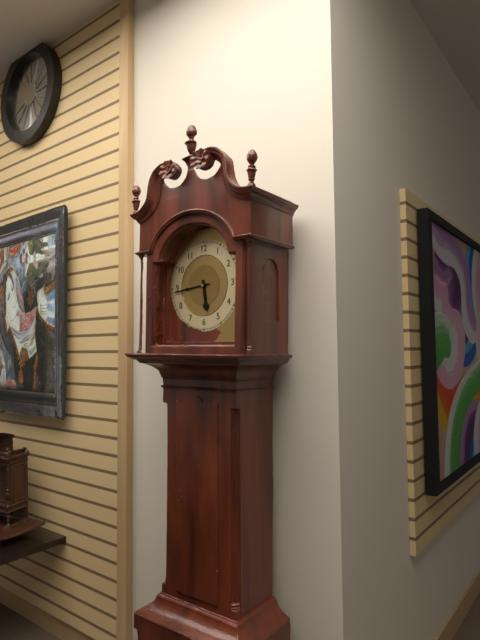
5:44
